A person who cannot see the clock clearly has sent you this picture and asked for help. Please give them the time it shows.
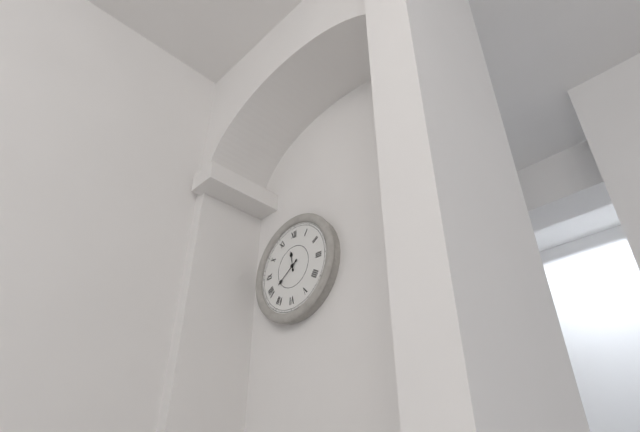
11:39
